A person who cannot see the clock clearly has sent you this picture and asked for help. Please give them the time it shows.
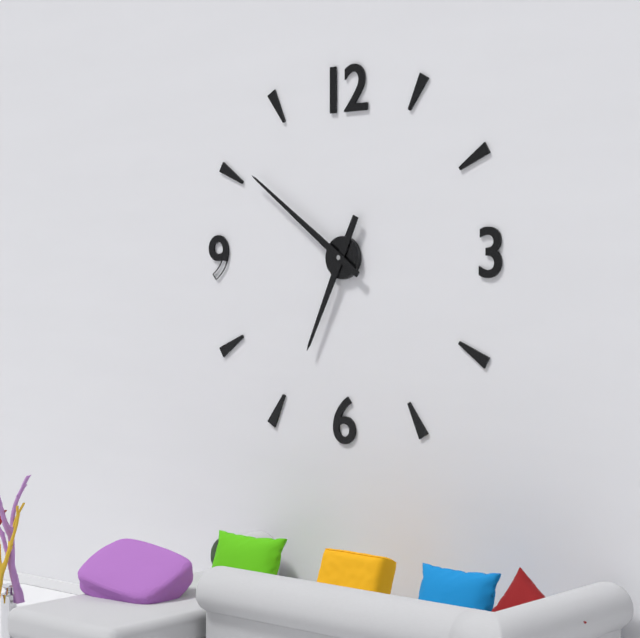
6:51
